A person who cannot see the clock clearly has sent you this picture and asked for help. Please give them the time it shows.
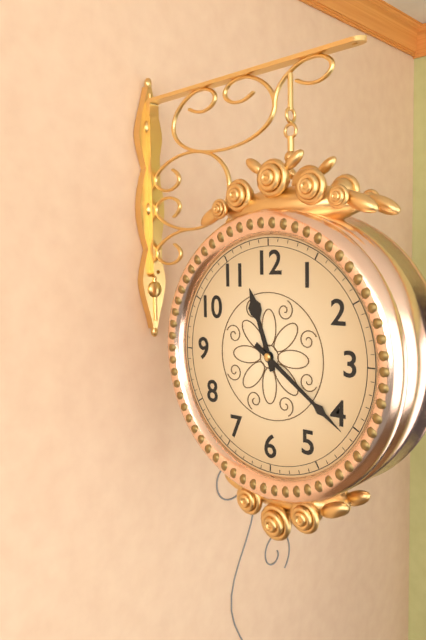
11:21
